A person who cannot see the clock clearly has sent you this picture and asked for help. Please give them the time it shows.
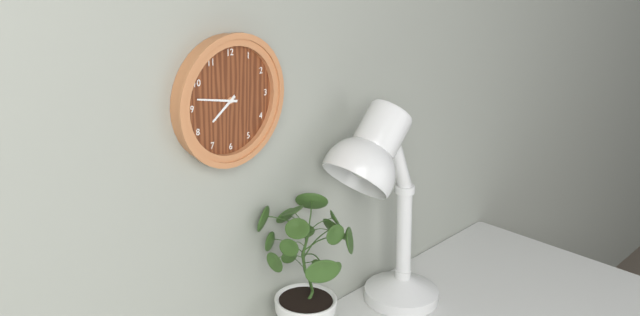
7:47
